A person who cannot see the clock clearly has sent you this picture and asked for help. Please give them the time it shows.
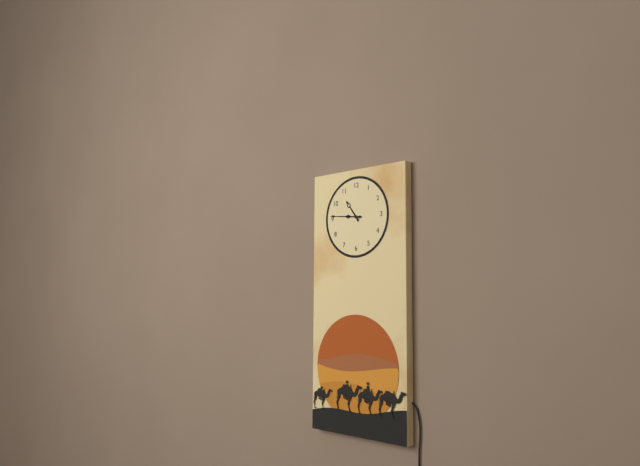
10:46
